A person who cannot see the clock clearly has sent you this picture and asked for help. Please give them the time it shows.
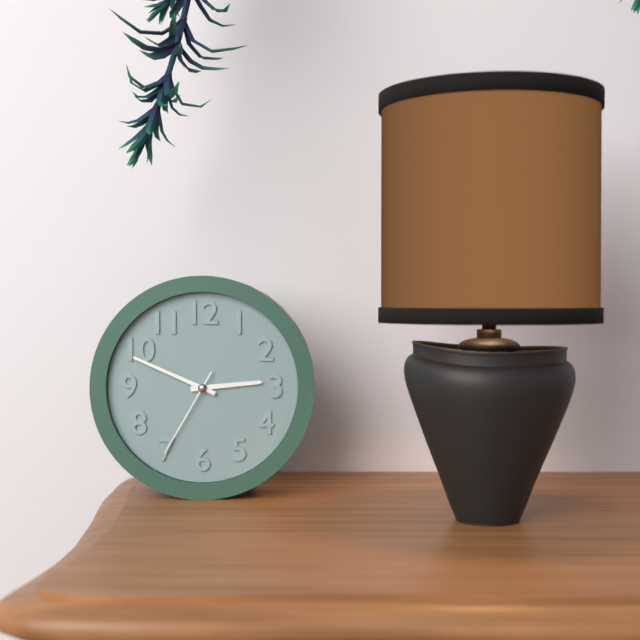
2:49:35
